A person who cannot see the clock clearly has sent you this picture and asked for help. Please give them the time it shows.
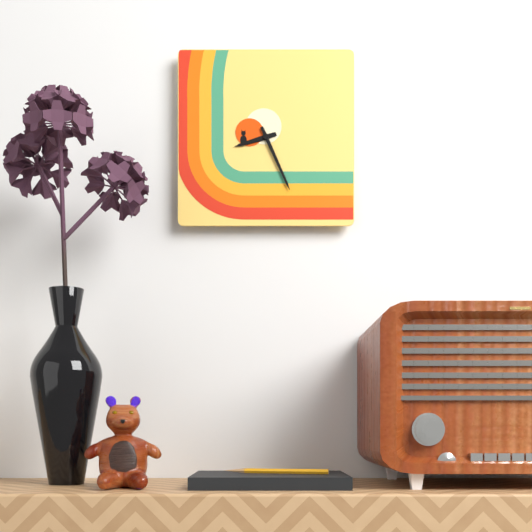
8:26
